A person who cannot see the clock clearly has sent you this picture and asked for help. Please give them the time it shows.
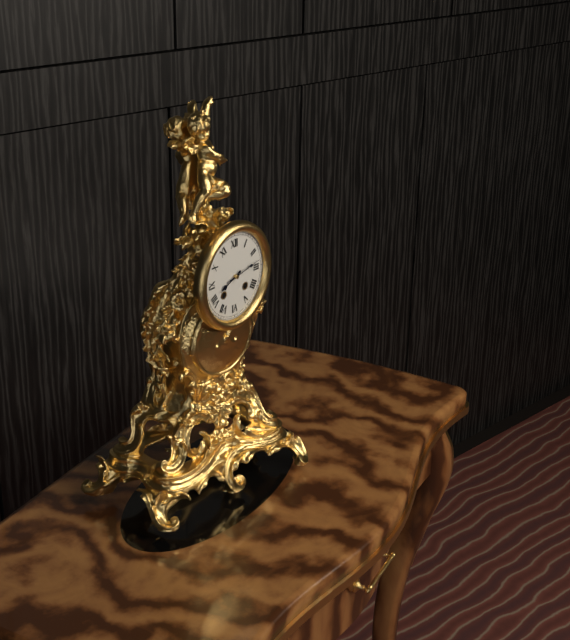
8:13
